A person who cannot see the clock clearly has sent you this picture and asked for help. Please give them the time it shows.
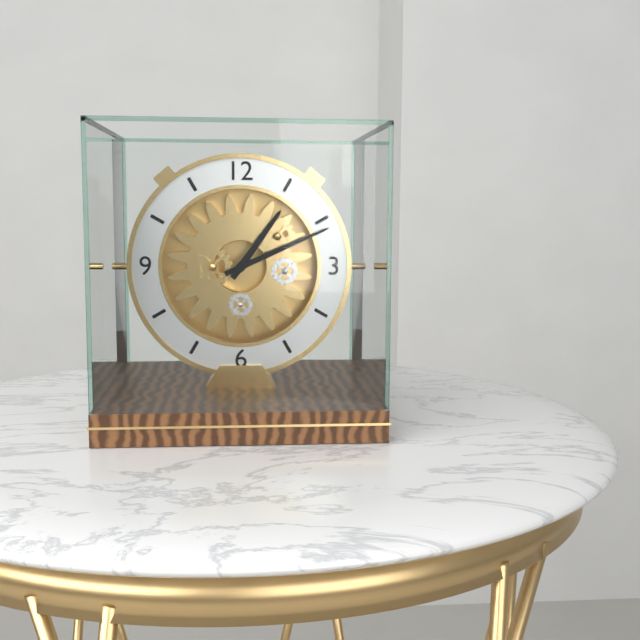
1:11
